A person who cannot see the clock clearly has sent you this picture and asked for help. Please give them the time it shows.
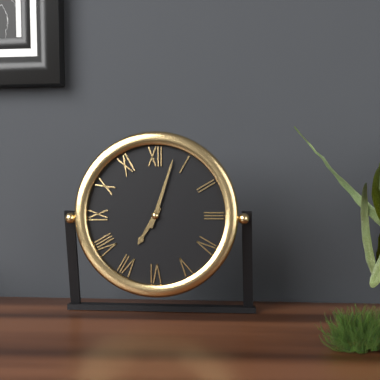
7:03
